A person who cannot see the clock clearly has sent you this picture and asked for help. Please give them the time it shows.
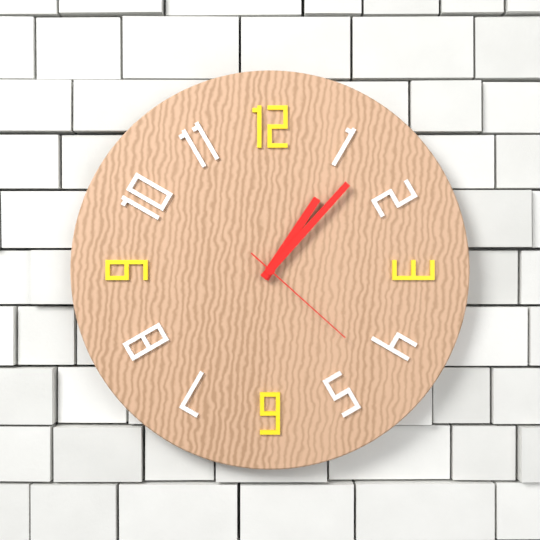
1:07:22
